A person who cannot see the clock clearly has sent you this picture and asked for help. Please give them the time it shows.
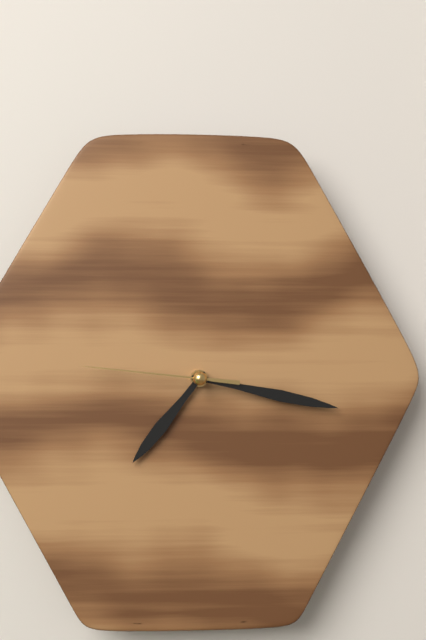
7:17:46
